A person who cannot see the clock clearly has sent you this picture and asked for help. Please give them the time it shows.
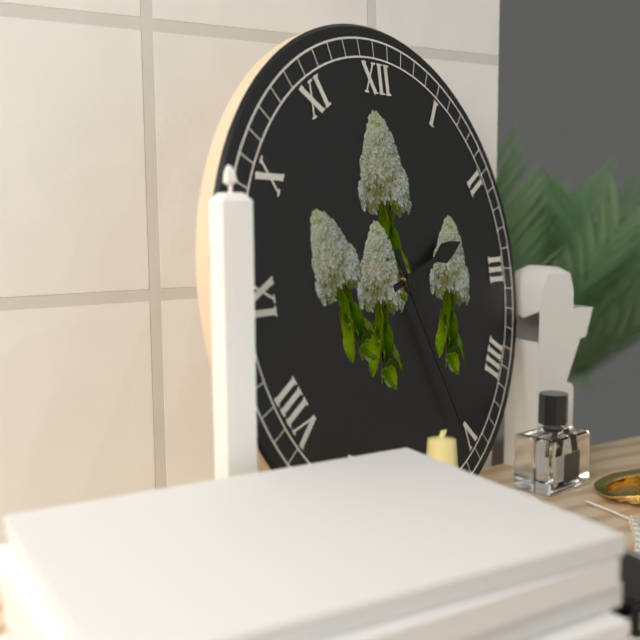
2:26
